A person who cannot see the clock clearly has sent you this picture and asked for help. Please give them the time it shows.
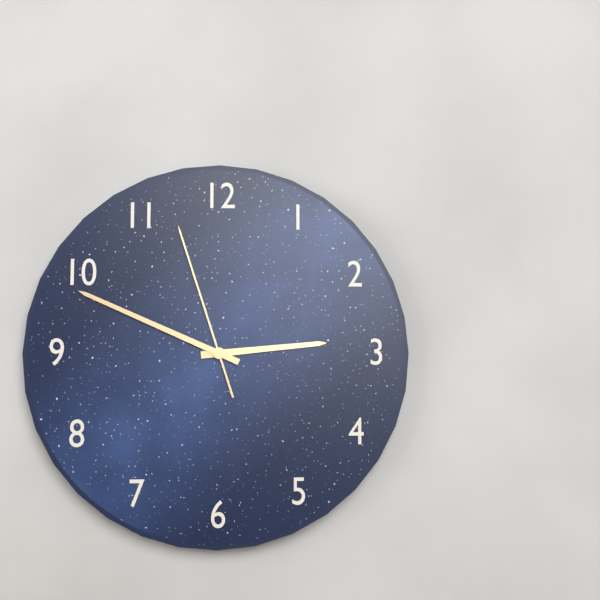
2:49:57
